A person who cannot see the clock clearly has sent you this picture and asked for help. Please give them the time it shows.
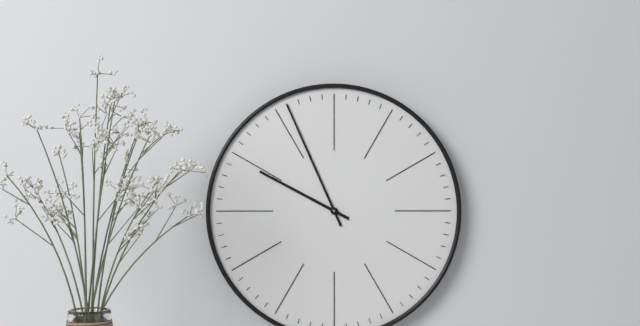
9:56
